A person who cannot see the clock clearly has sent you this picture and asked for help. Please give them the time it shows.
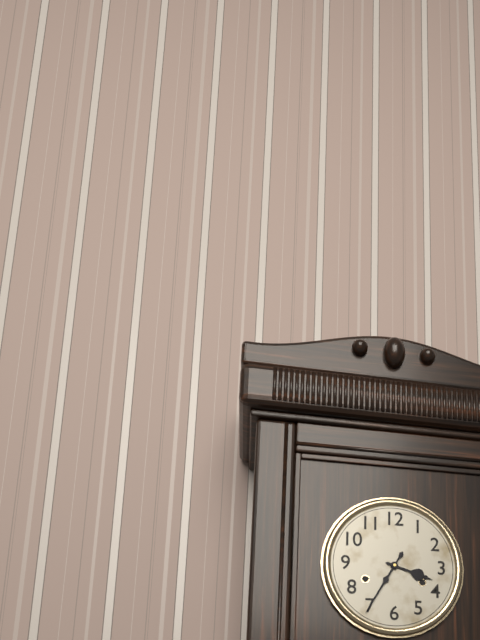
3:35
